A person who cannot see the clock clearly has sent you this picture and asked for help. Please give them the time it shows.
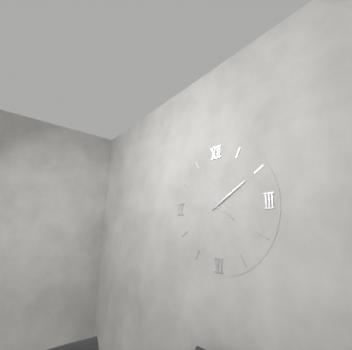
4:10
